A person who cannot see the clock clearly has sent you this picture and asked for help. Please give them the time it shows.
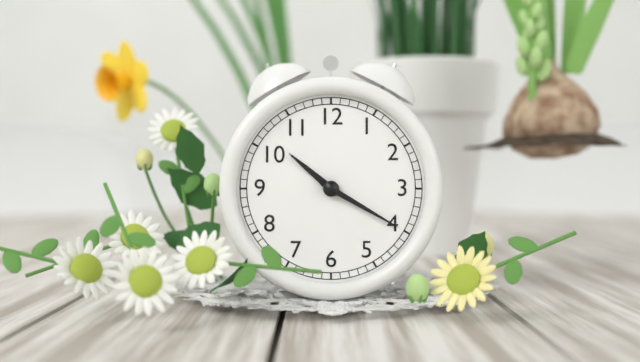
10:20
